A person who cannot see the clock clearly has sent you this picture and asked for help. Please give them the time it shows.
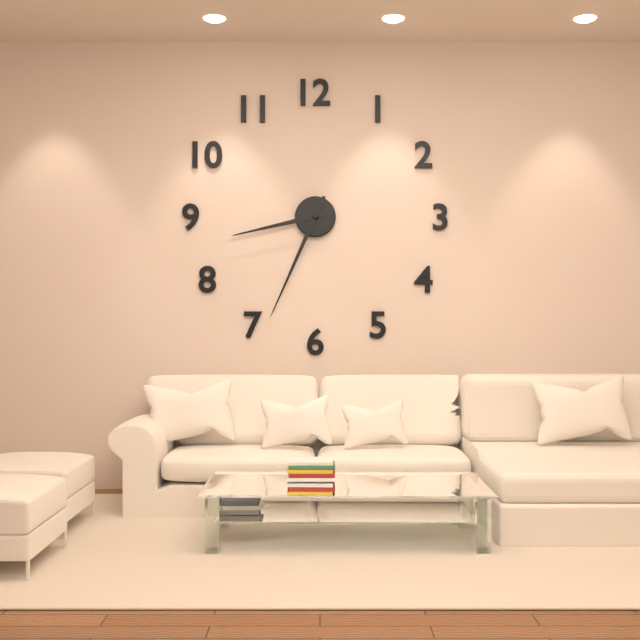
8:34
